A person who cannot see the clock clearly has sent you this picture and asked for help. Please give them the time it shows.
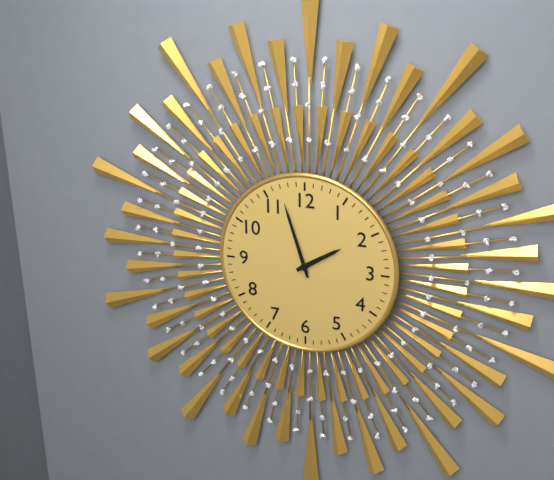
1:57
